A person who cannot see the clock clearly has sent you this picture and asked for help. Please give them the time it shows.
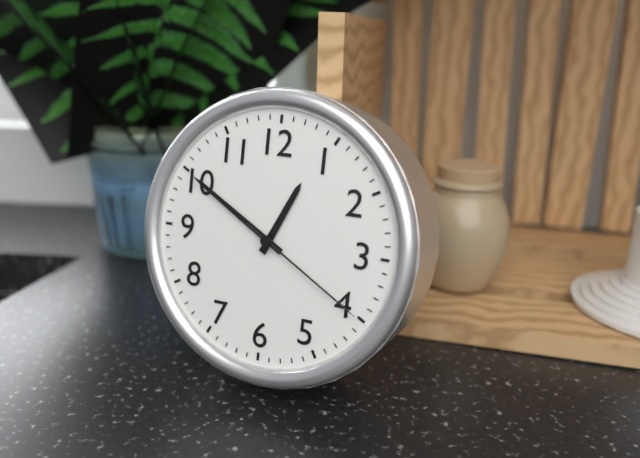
12:50:20
